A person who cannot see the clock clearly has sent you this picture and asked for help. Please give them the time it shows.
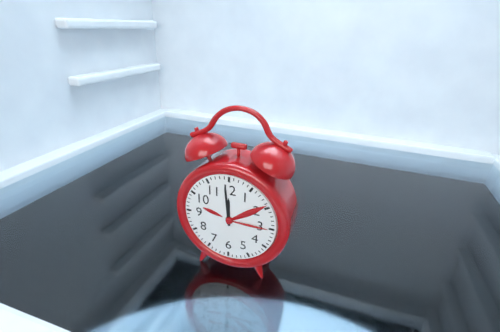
11:59
